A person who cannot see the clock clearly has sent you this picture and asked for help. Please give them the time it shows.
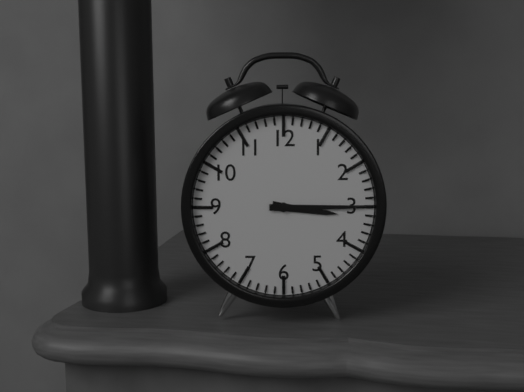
3:15
